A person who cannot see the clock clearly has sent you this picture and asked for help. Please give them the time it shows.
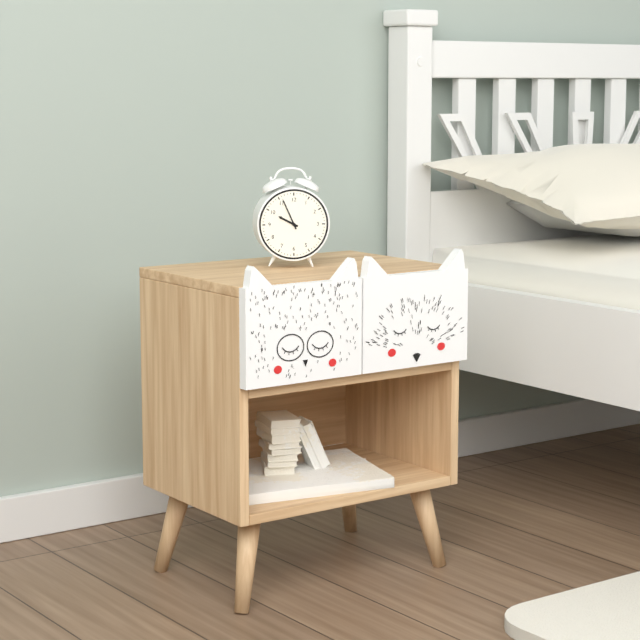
9:56
